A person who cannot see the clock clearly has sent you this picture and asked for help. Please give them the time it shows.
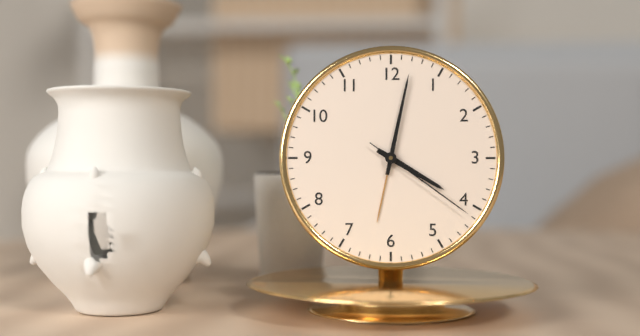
4:02:21
